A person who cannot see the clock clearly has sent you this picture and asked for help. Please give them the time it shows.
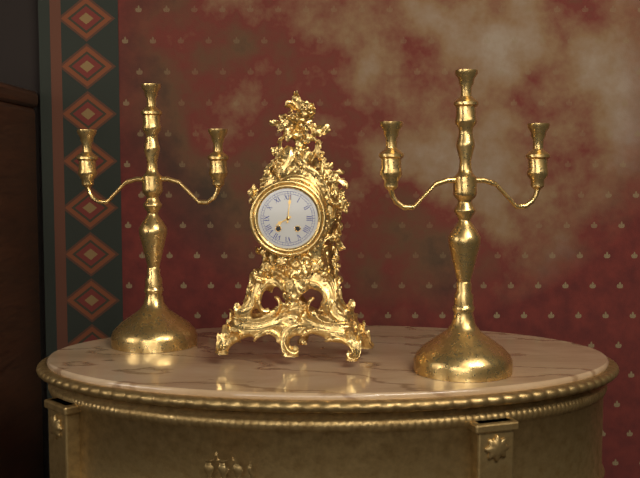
8:01
